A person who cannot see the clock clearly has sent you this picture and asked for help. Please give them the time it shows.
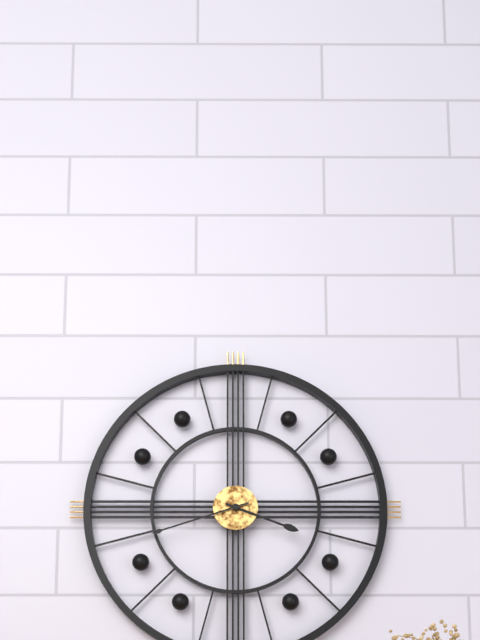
3:42
